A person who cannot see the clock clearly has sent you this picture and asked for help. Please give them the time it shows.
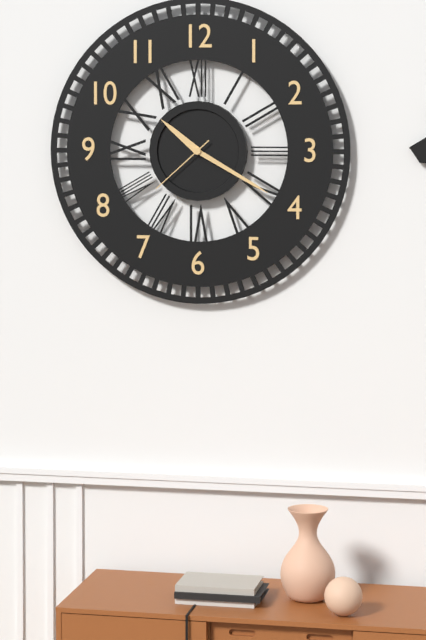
10:20:38
